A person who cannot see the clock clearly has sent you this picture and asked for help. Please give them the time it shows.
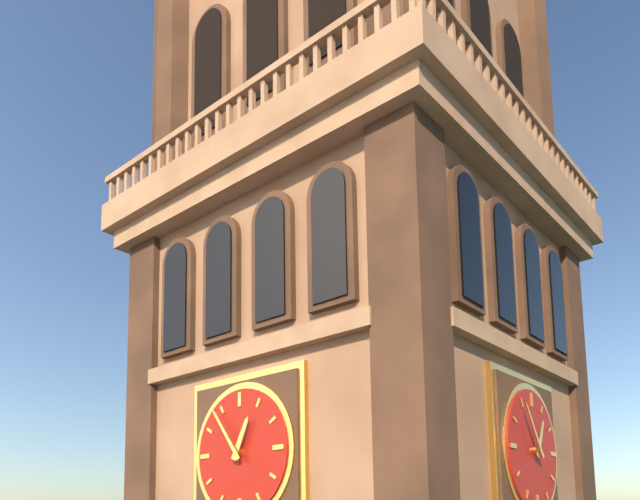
12:54
